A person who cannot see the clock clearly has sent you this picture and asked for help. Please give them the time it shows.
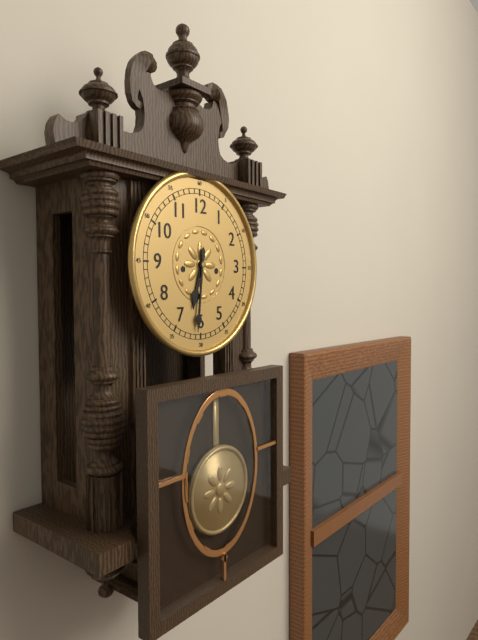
6:31
